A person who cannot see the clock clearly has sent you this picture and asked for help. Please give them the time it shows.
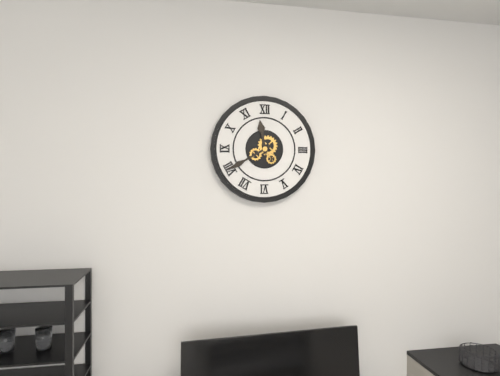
11:40
